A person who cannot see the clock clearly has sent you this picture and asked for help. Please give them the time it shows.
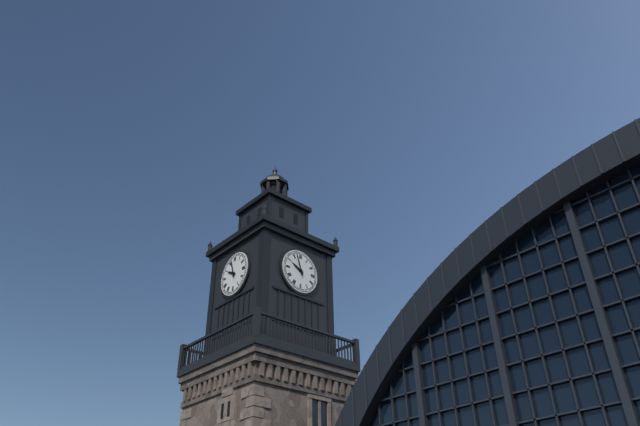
9:57
